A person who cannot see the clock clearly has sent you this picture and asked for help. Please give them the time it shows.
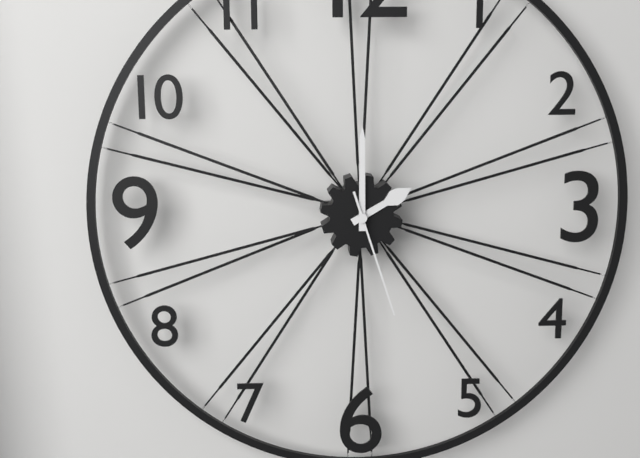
2:00:27
